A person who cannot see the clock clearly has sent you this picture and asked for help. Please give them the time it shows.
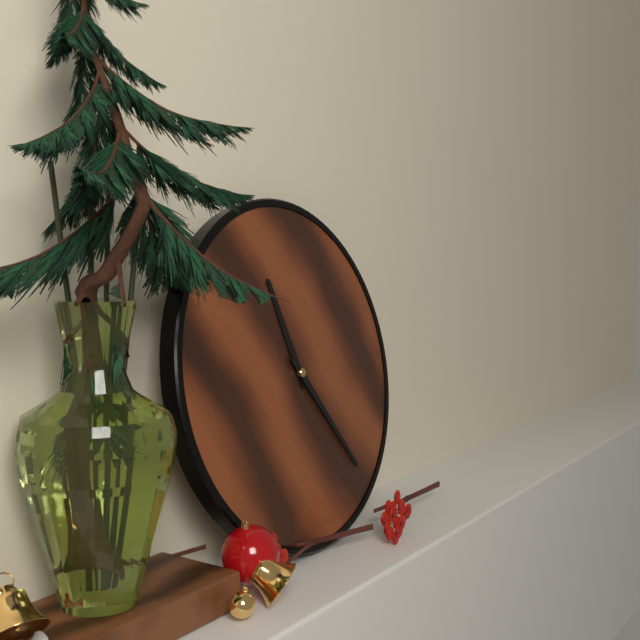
11:24
